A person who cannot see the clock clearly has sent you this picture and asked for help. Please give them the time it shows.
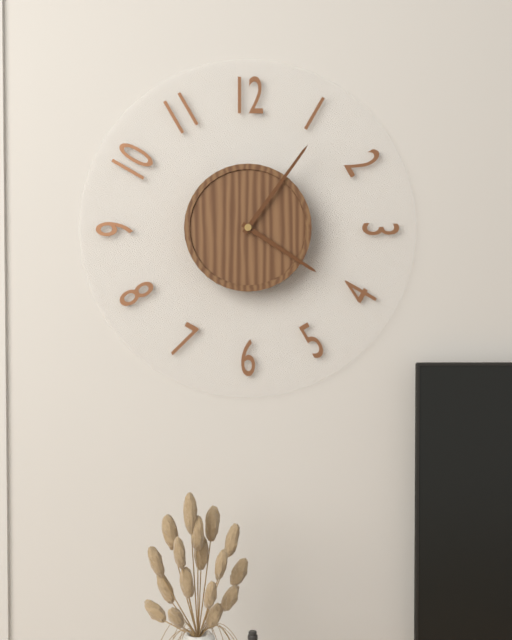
4:06
